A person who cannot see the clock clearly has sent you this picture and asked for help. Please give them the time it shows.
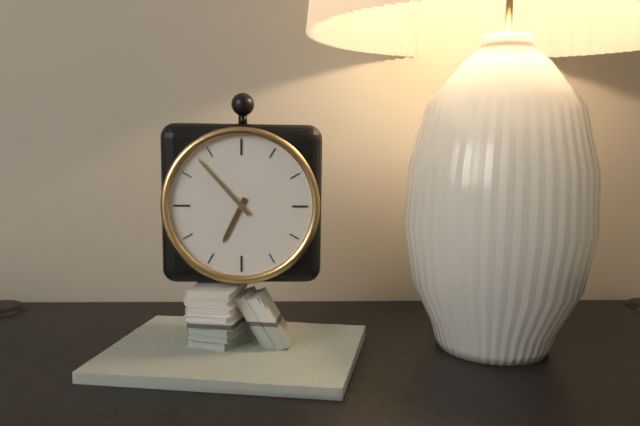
6:53
